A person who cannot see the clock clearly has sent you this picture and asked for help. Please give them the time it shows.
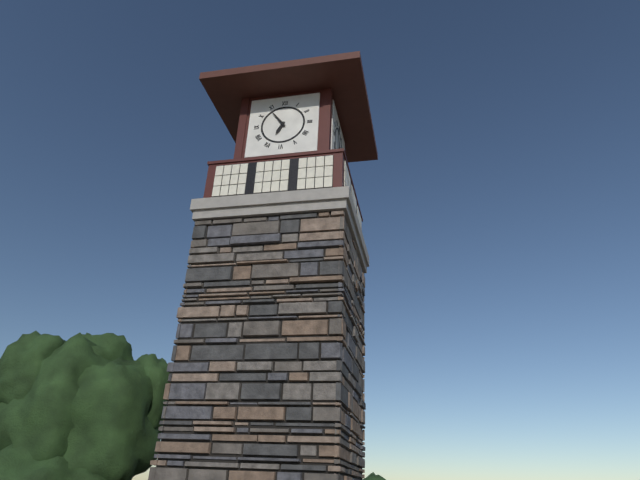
6:54
